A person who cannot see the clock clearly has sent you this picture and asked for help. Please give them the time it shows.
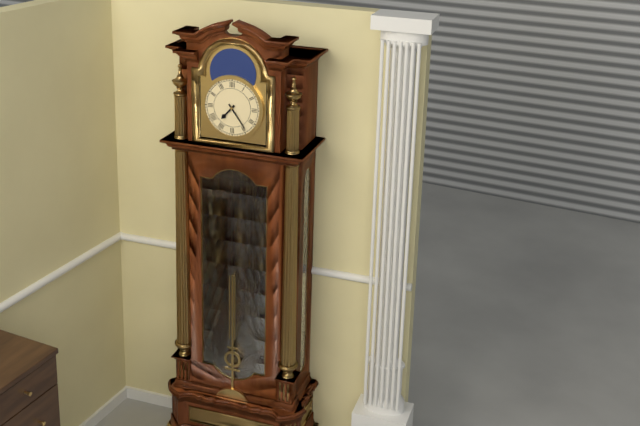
7:24
